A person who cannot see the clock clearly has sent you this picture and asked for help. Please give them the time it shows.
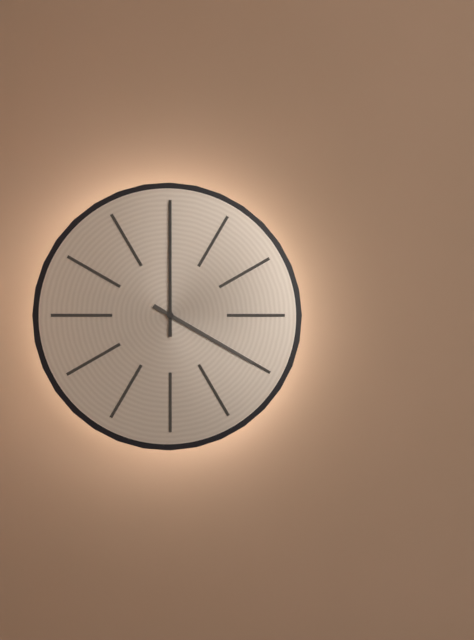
4:00
